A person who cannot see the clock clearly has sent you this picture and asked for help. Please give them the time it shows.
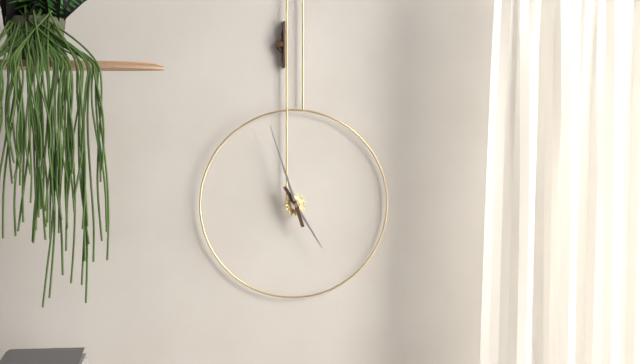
4:57
